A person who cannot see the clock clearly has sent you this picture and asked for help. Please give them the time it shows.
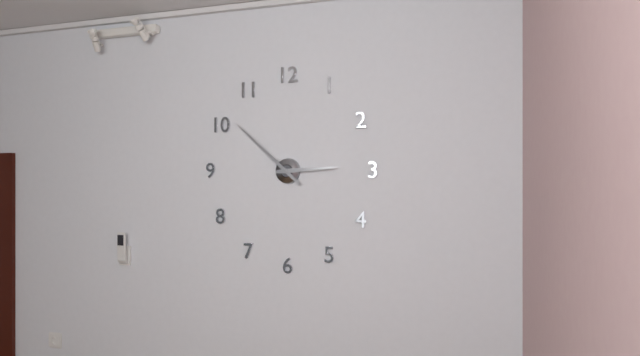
2:52
